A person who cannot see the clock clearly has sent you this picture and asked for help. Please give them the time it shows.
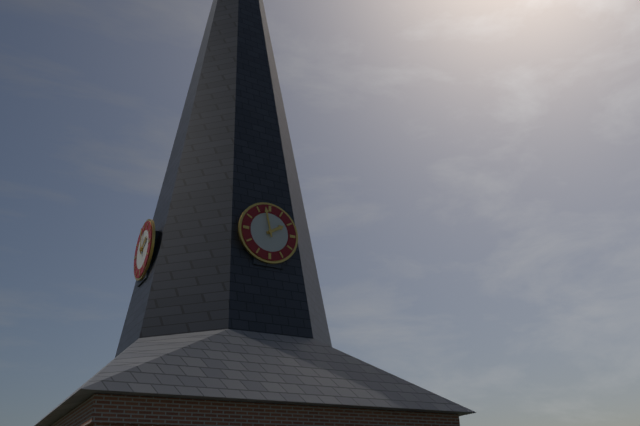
1:58
